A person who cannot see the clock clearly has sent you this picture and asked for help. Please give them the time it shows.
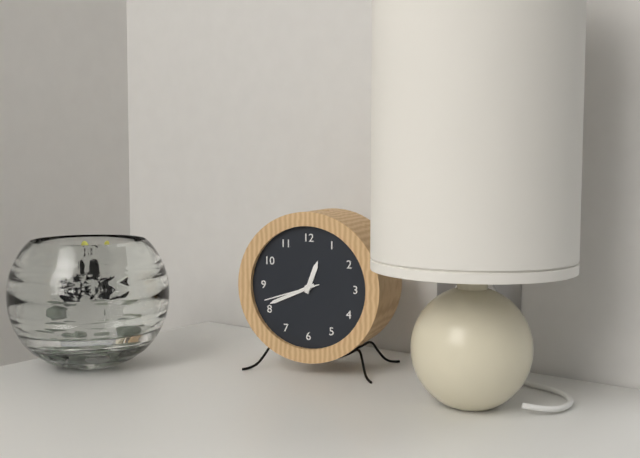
12:41:42
